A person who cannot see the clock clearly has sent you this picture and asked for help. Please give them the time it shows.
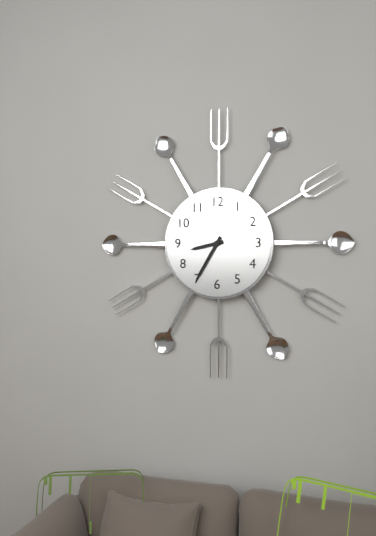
8:35
